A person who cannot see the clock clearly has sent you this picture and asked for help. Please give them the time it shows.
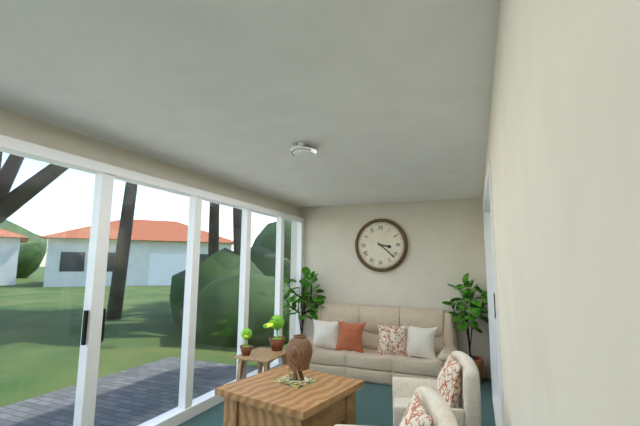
3:22
